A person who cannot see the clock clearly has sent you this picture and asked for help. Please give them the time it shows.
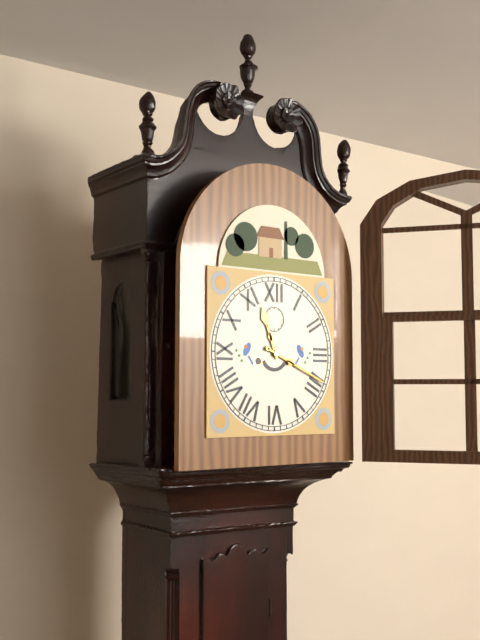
11:19
